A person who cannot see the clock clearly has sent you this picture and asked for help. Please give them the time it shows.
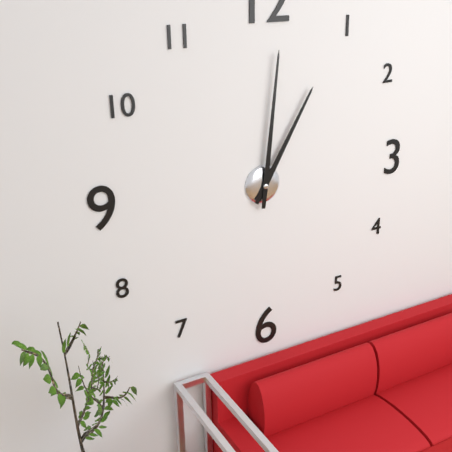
1:01
